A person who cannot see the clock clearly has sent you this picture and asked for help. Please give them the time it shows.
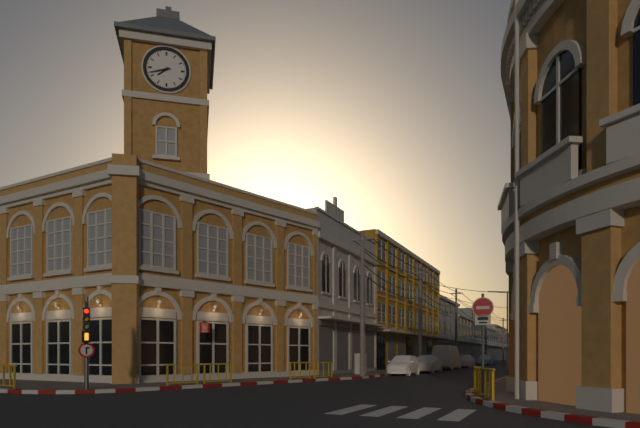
7:42
